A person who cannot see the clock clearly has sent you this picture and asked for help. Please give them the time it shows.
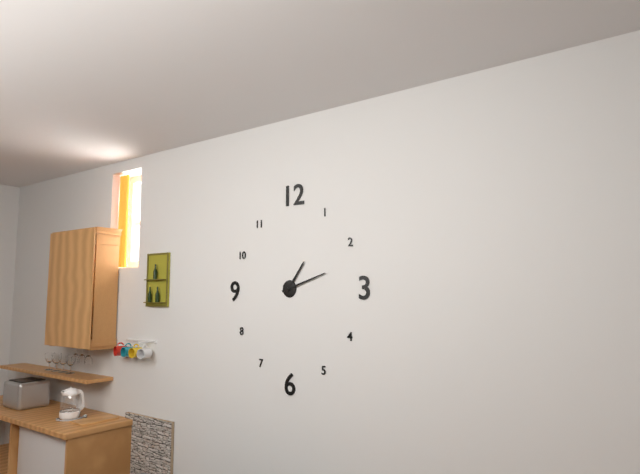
1:12
